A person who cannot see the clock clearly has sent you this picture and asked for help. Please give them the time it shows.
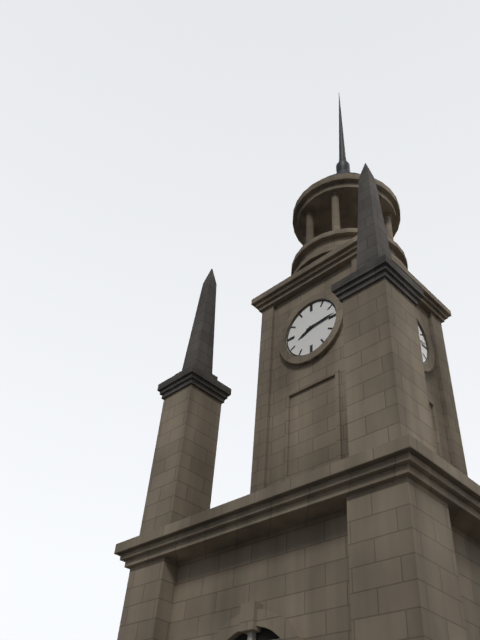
8:14
